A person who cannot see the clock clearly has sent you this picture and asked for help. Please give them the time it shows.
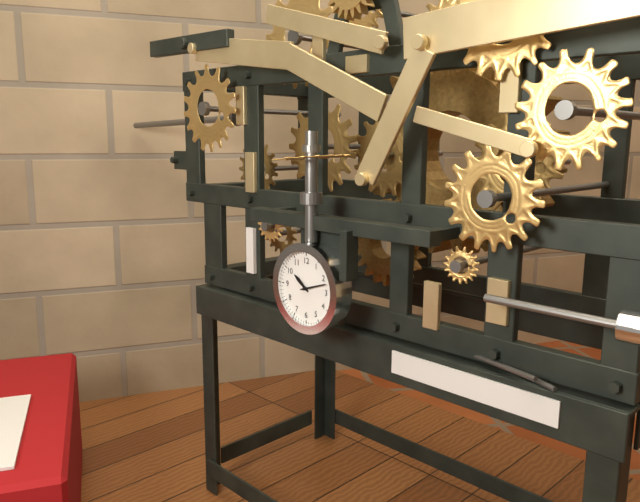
10:12
